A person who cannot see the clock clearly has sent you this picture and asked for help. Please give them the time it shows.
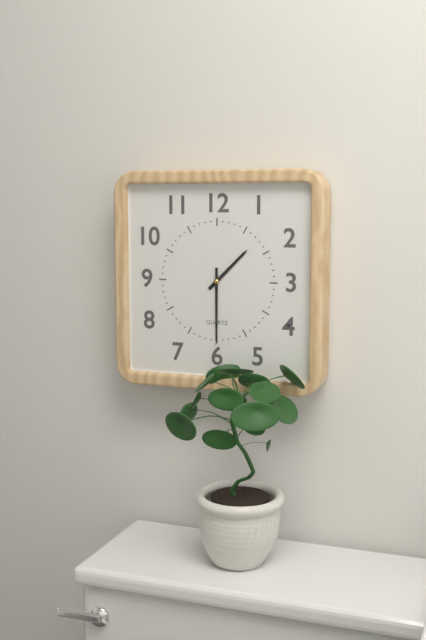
1:30
